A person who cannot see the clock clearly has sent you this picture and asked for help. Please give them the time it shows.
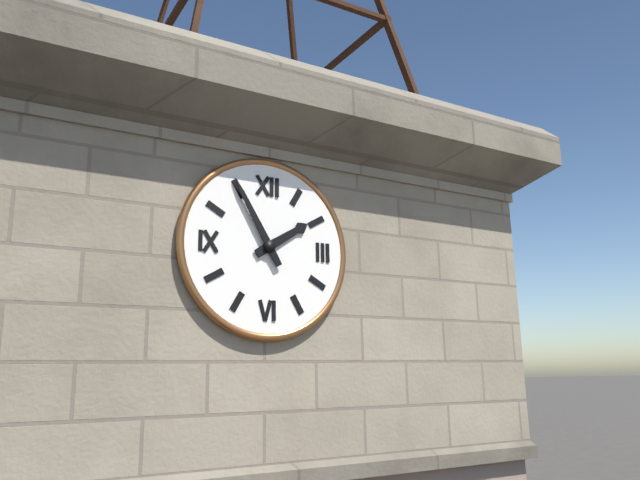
1:55
